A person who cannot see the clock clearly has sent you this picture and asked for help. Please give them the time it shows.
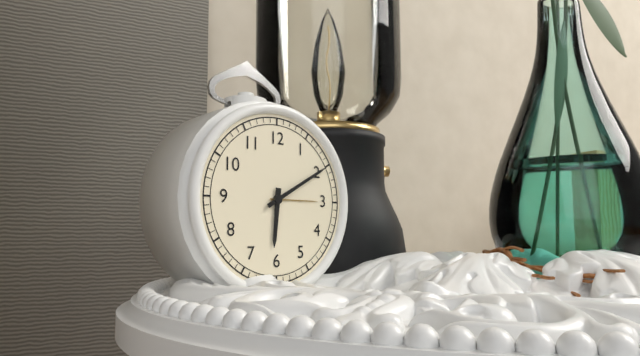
6:10
